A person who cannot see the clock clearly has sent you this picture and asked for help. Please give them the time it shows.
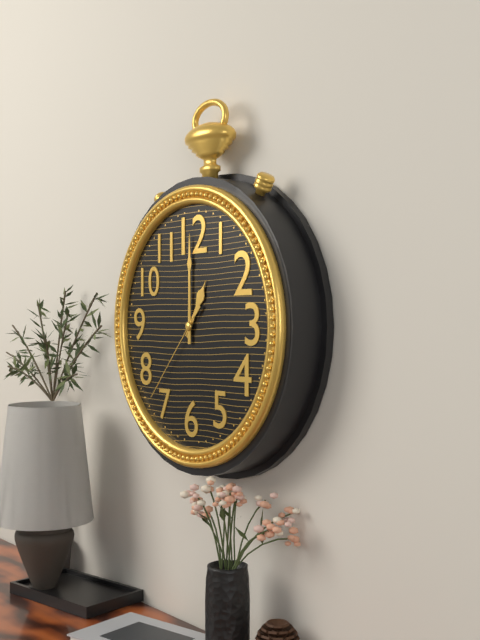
1:00:37
